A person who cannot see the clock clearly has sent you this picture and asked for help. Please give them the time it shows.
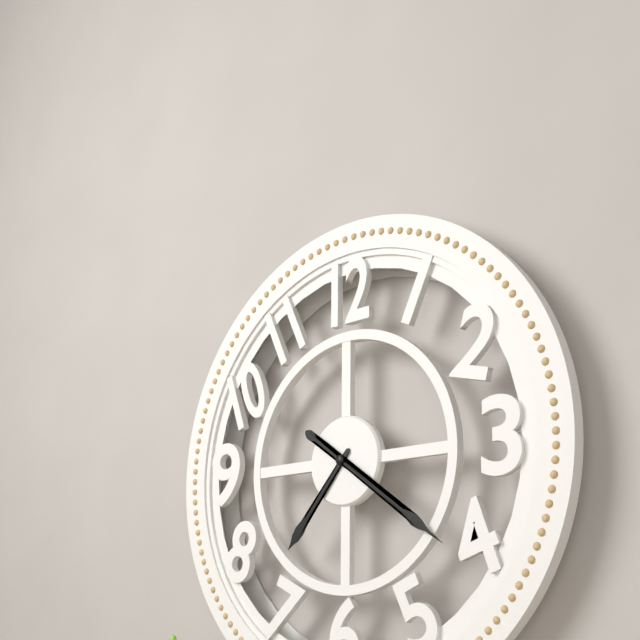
7:21
